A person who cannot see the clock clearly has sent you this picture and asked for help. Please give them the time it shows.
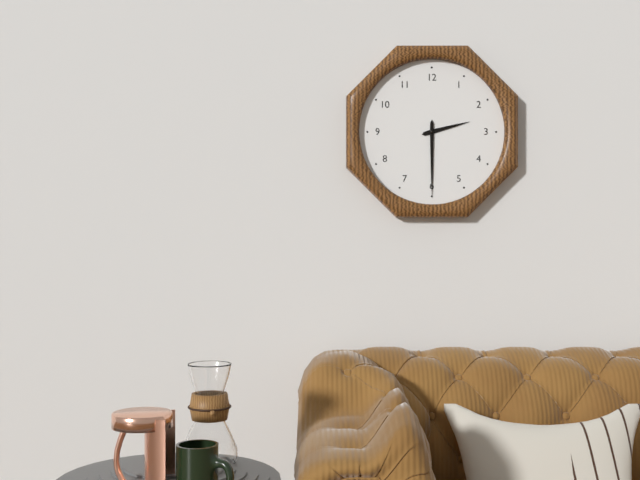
2:30
